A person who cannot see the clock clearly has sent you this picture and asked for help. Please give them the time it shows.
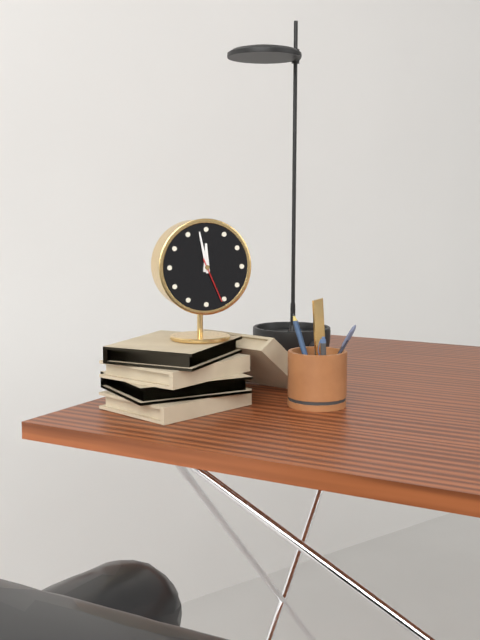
11:58
